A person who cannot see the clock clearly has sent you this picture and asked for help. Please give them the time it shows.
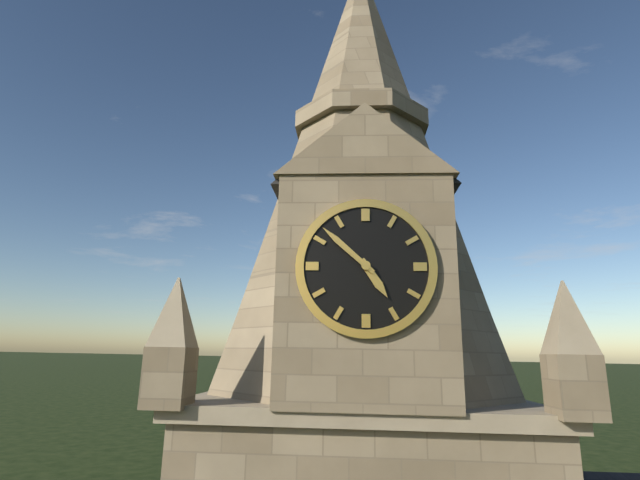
4:52
